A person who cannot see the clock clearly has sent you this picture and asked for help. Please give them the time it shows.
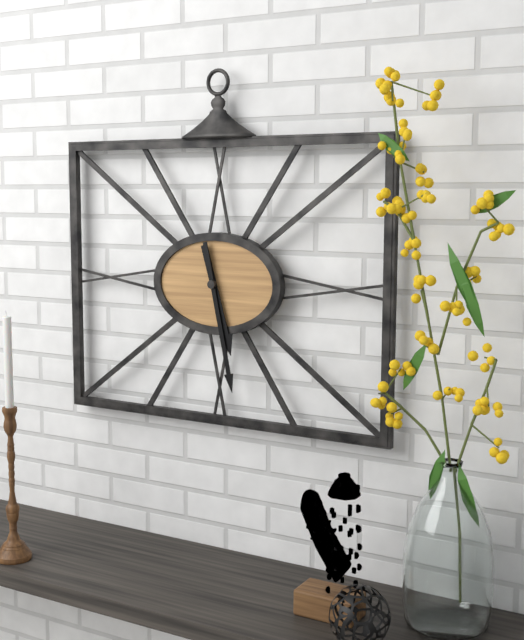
5:28
